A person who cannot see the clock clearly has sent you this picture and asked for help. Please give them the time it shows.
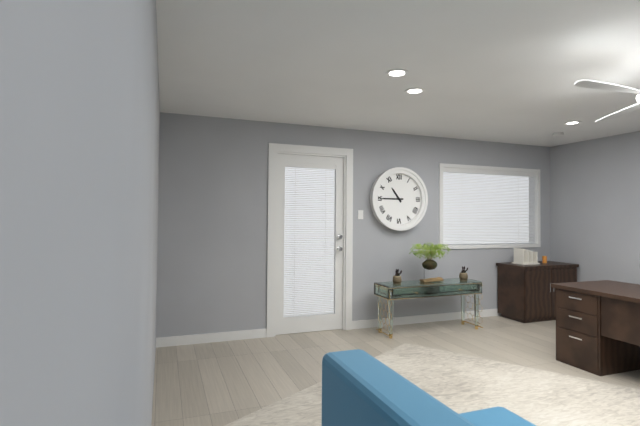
10:45
